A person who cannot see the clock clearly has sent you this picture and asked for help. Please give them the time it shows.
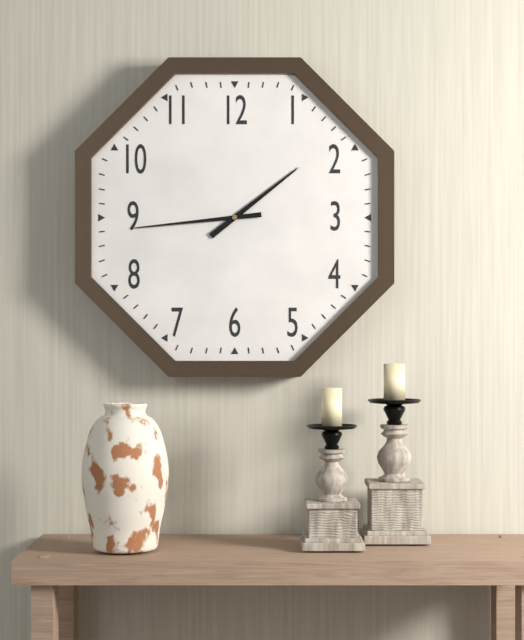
1:44
